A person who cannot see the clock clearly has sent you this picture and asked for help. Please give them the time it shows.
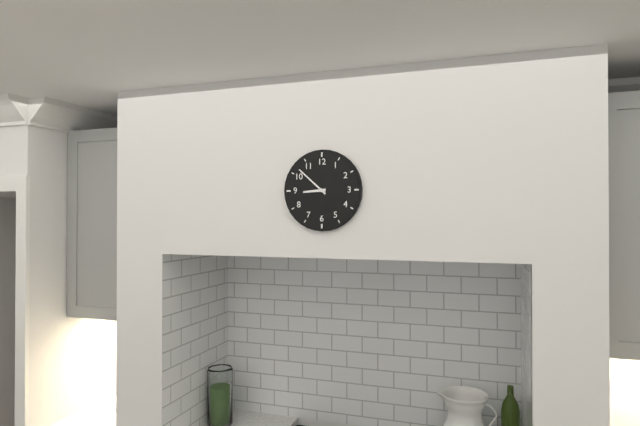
8:52
